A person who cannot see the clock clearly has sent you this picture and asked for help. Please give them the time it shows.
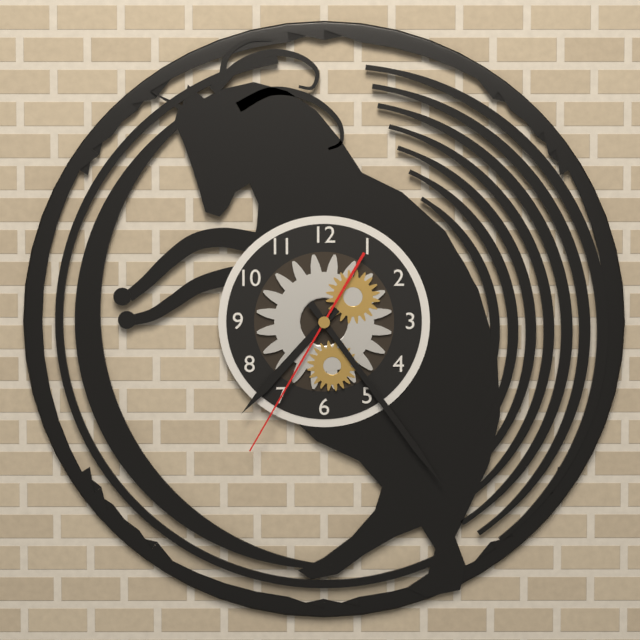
7:24:35
